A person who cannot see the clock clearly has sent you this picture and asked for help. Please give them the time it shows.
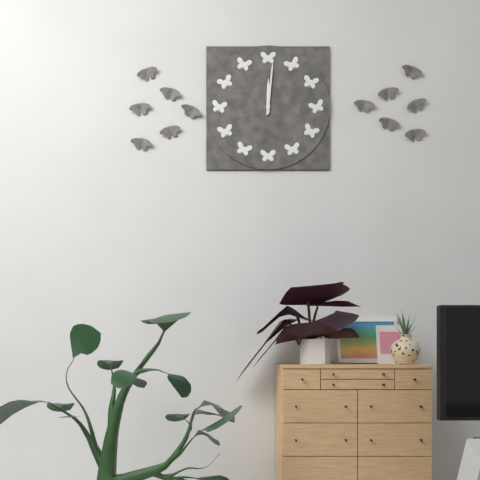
12:01
